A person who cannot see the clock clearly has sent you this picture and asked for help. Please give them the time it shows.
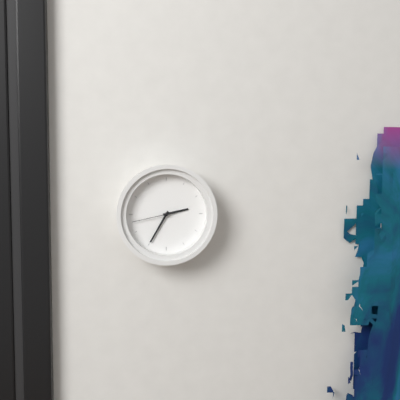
2:35
